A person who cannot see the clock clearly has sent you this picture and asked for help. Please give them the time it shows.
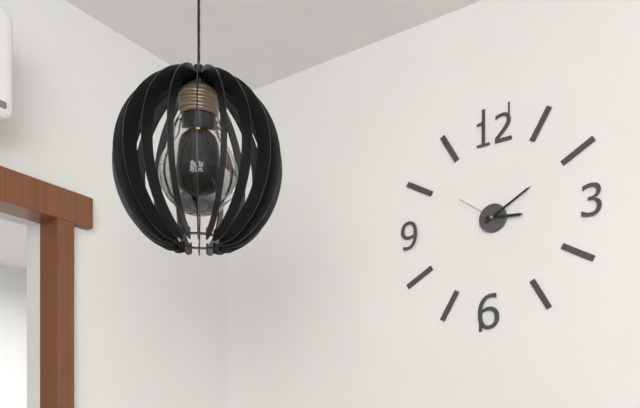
3:10
